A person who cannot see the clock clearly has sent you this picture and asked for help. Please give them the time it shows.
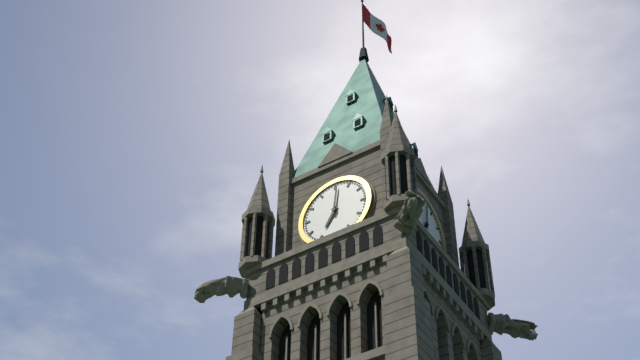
7:01
